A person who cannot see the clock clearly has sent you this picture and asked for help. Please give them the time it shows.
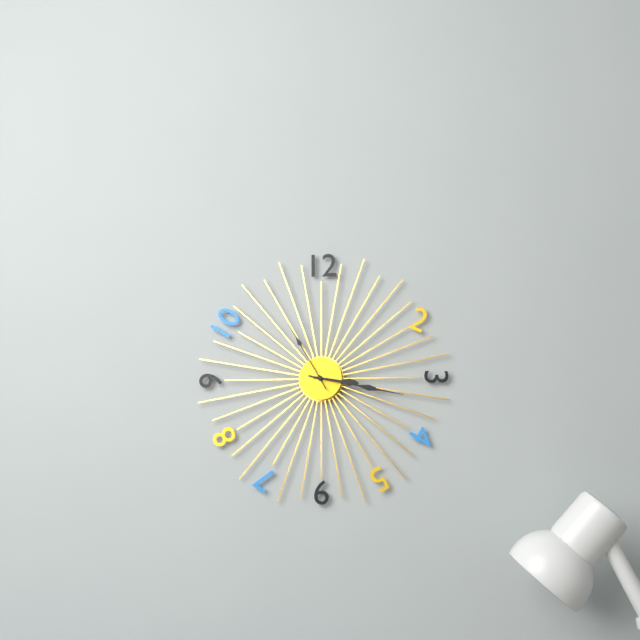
3:17:55
